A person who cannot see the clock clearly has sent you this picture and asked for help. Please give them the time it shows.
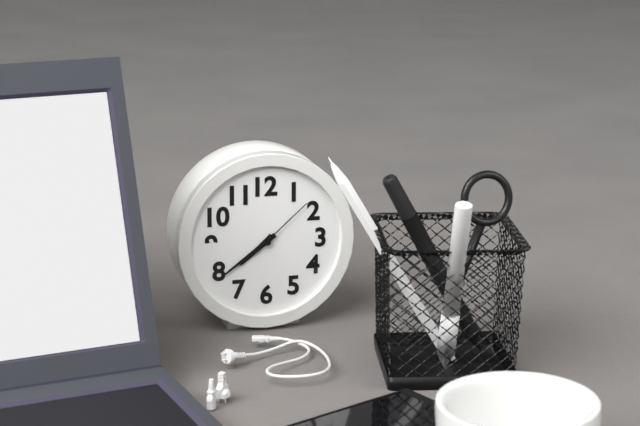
7:39:08
